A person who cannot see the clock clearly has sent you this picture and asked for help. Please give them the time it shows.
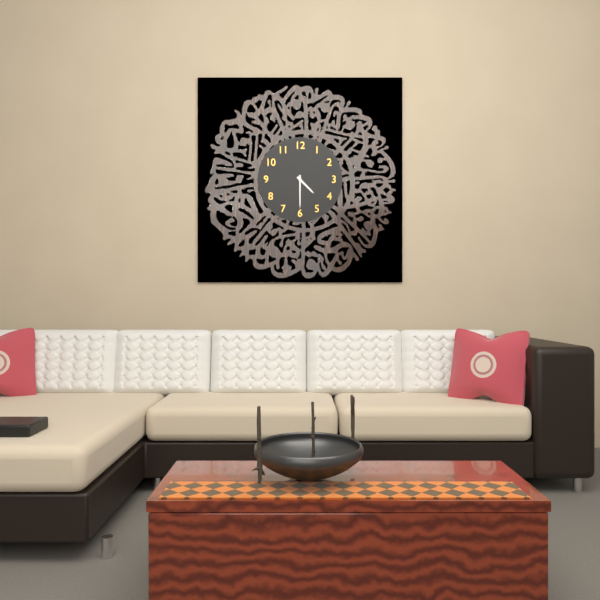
4:30
